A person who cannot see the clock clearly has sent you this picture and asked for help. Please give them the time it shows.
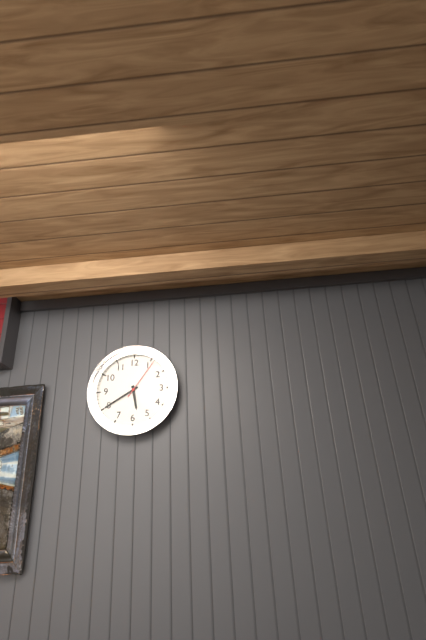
5:40
